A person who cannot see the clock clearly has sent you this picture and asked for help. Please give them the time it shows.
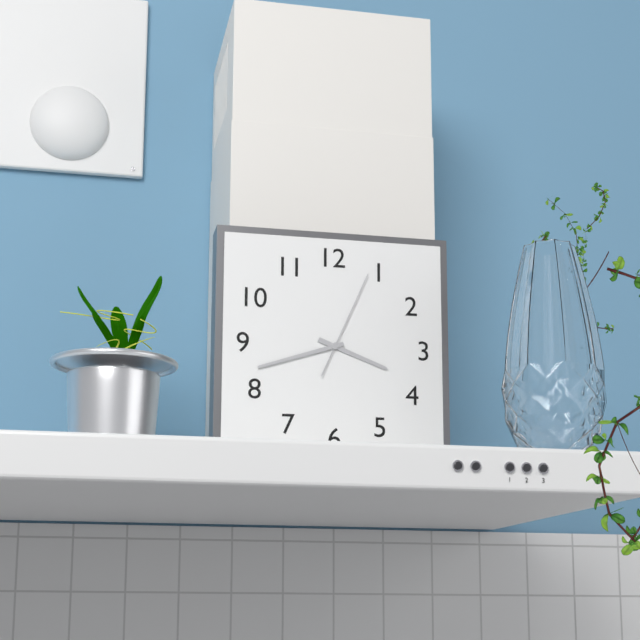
3:42:04
